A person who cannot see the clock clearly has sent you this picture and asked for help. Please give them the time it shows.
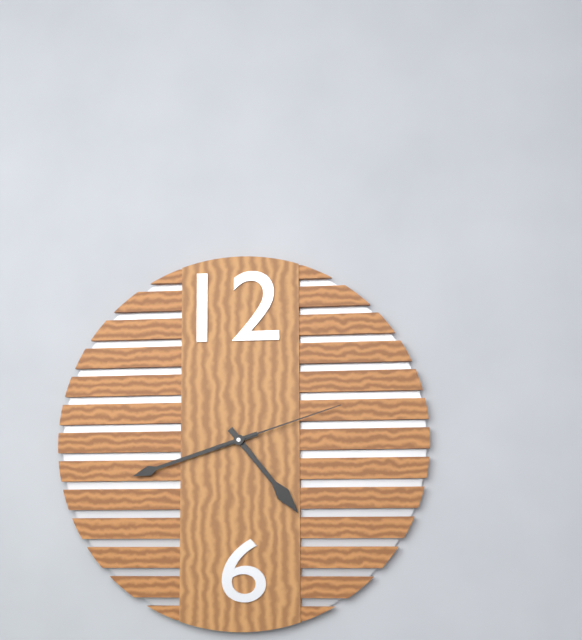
4:42:12
